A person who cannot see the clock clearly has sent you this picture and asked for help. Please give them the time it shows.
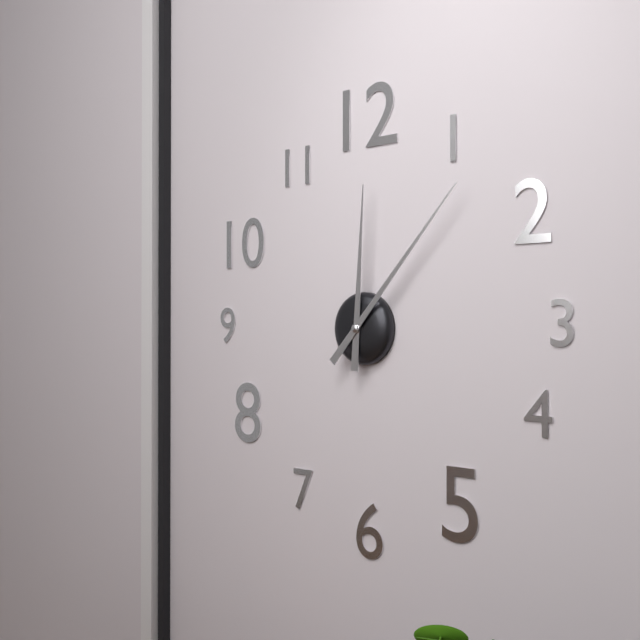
12:07
